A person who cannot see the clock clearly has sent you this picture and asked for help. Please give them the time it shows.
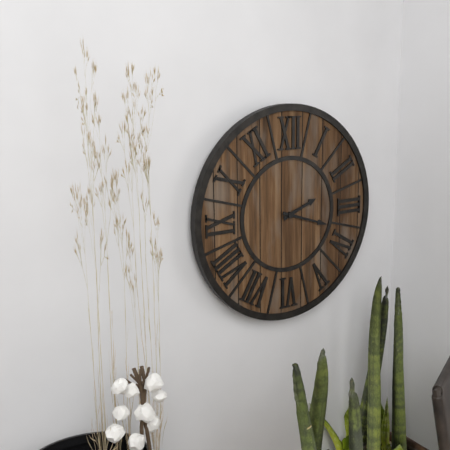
2:18
